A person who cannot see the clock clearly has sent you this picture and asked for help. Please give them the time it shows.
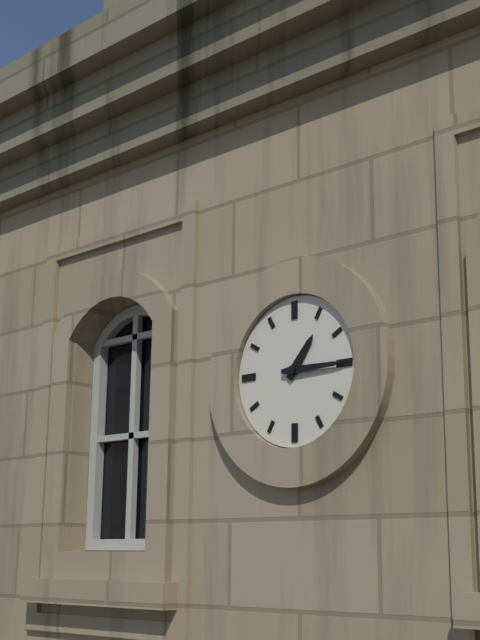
1:15
